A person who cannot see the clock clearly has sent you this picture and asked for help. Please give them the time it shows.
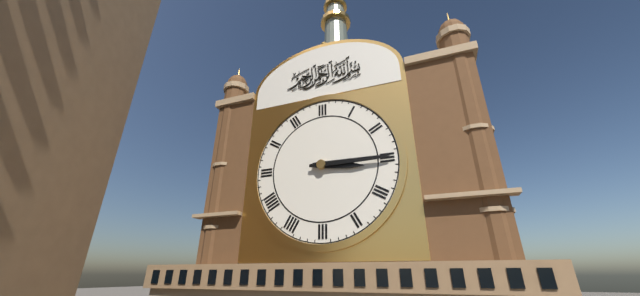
3:15
